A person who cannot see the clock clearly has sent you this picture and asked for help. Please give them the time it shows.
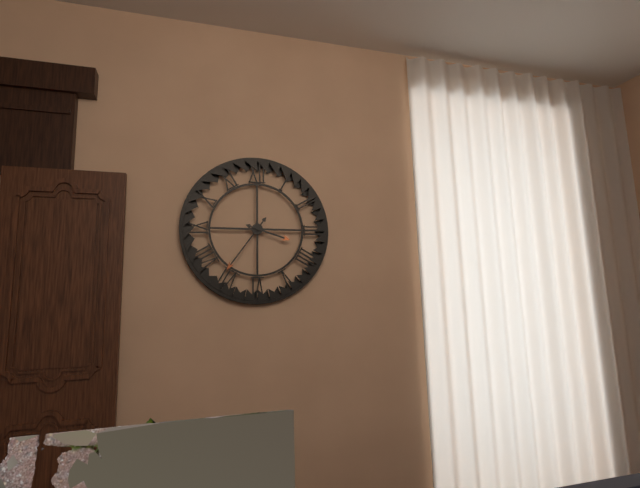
3:36
